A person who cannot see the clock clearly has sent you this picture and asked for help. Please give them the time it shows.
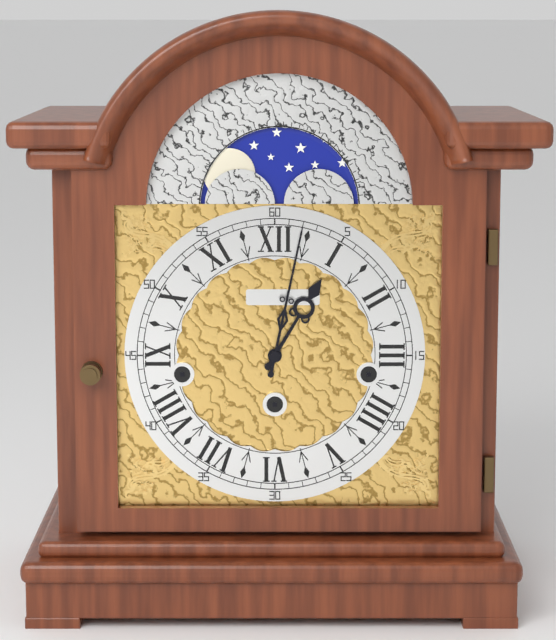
1:02
